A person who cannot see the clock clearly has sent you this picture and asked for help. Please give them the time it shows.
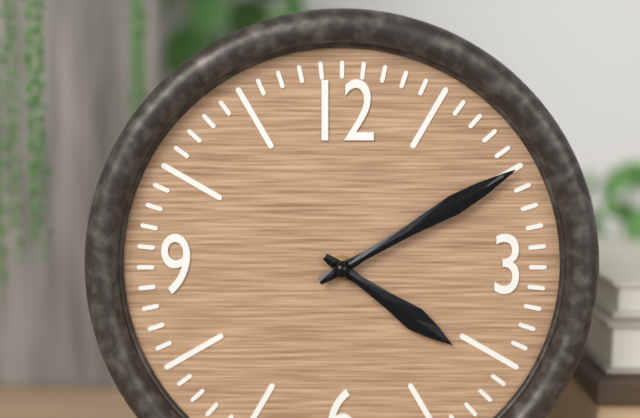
4:10
